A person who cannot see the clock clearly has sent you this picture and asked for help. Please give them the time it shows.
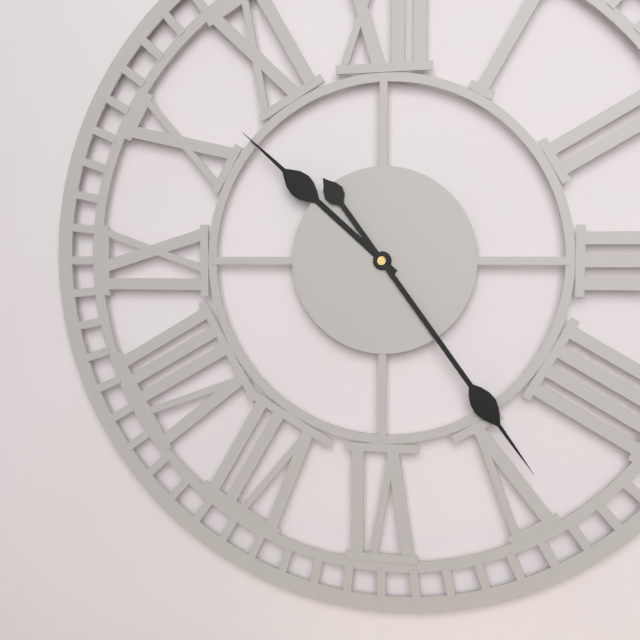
10:24
